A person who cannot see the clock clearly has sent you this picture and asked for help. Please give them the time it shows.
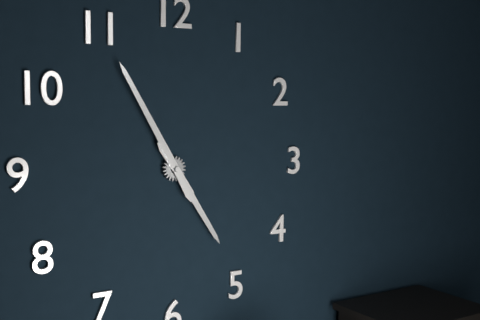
4:55
